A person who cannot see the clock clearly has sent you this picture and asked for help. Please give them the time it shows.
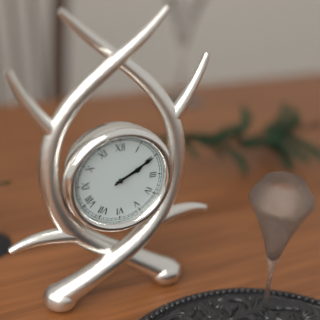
2:10
